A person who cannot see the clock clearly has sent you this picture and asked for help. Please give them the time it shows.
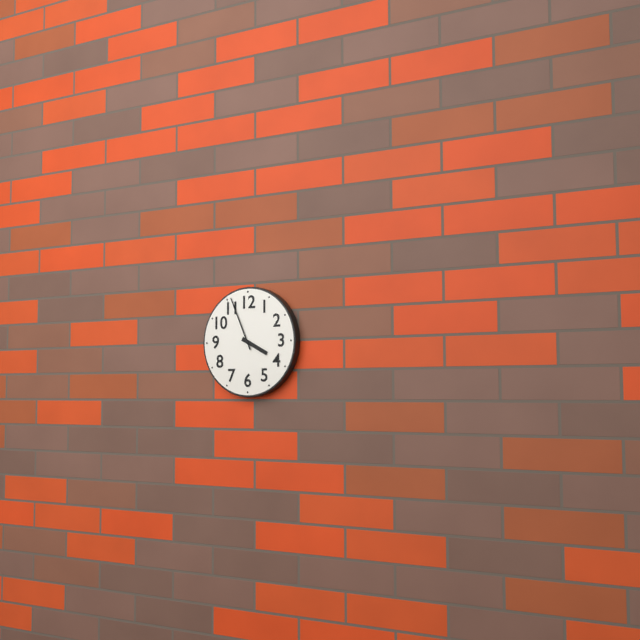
3:56
